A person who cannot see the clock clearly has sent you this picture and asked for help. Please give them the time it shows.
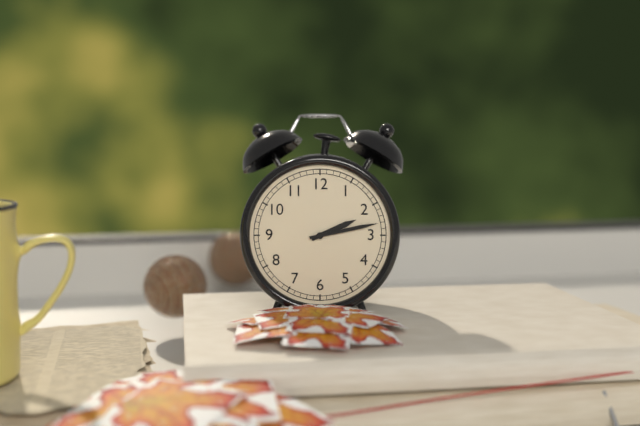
2:13
